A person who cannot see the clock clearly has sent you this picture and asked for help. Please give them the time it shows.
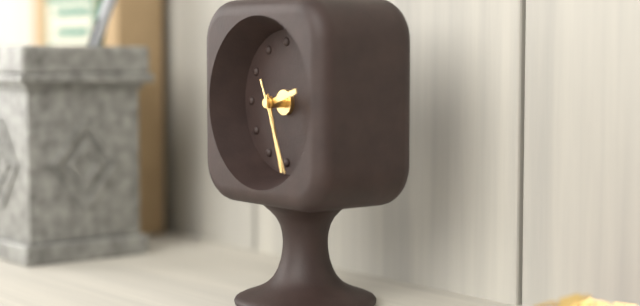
2:27:26
